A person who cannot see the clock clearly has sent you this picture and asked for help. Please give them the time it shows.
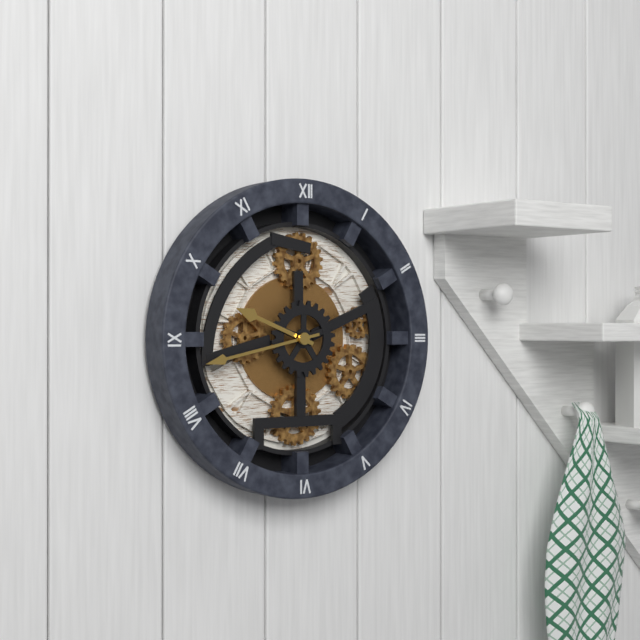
9:43
